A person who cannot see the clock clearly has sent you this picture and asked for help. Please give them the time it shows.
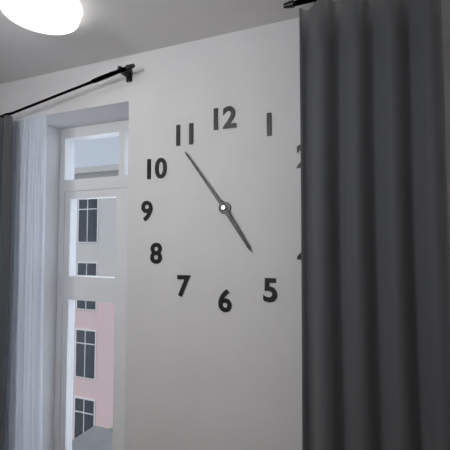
4:54
